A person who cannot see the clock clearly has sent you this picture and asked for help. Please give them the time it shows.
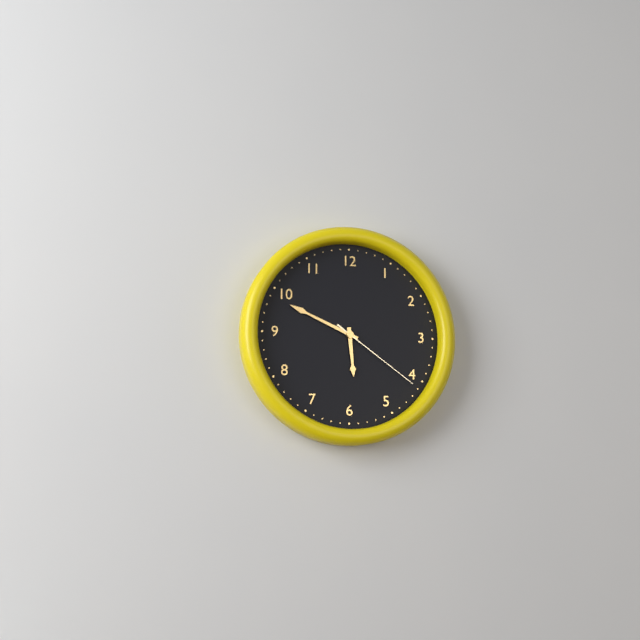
5:49:21
